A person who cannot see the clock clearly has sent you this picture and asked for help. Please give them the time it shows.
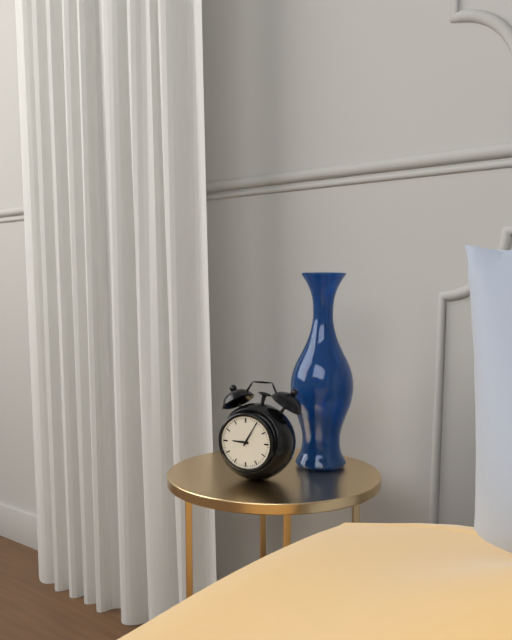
9:05
